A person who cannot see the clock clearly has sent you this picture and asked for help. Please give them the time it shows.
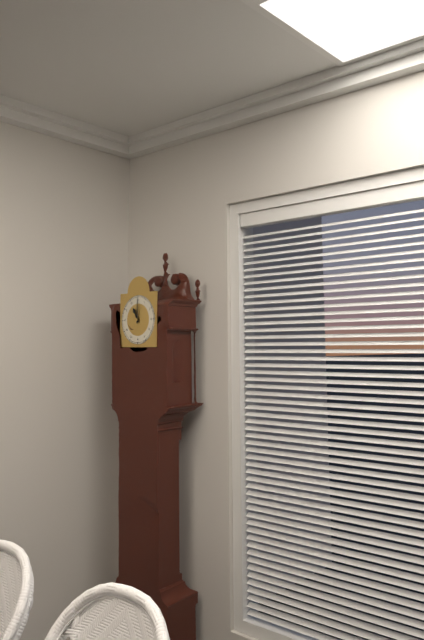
11:00
